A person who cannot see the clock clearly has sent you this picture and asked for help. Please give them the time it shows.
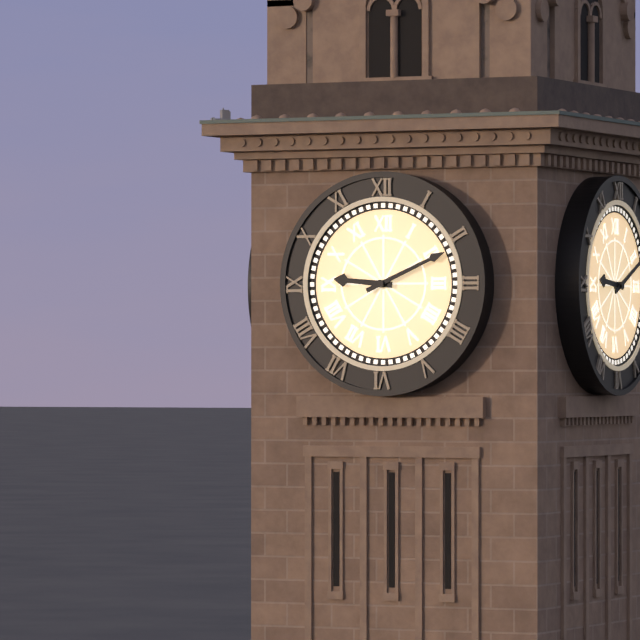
9:11
